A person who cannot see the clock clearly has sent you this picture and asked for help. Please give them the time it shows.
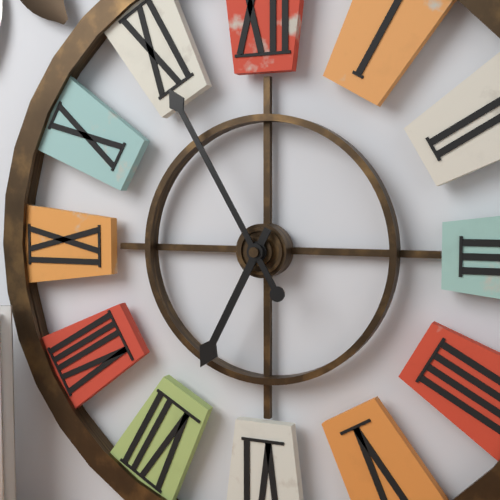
6:55
